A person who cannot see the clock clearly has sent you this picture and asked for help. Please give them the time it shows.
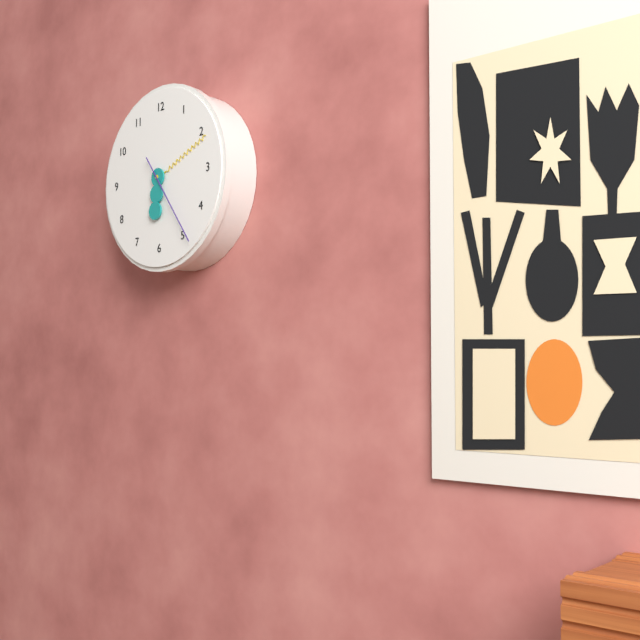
6:11:24
